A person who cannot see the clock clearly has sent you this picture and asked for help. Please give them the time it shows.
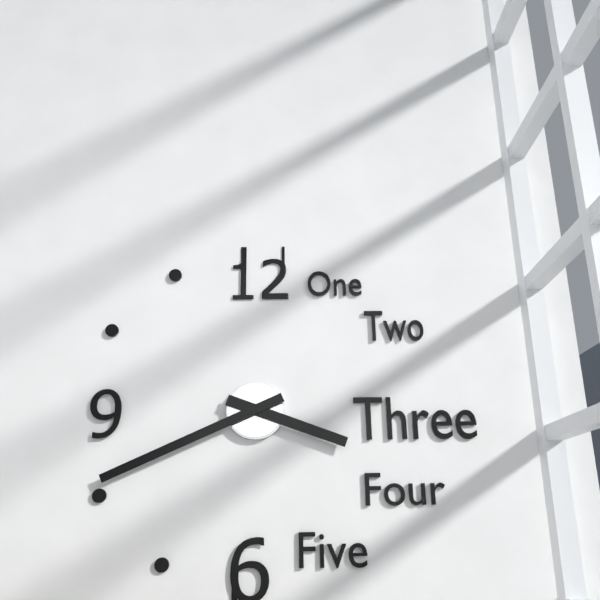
3:41
